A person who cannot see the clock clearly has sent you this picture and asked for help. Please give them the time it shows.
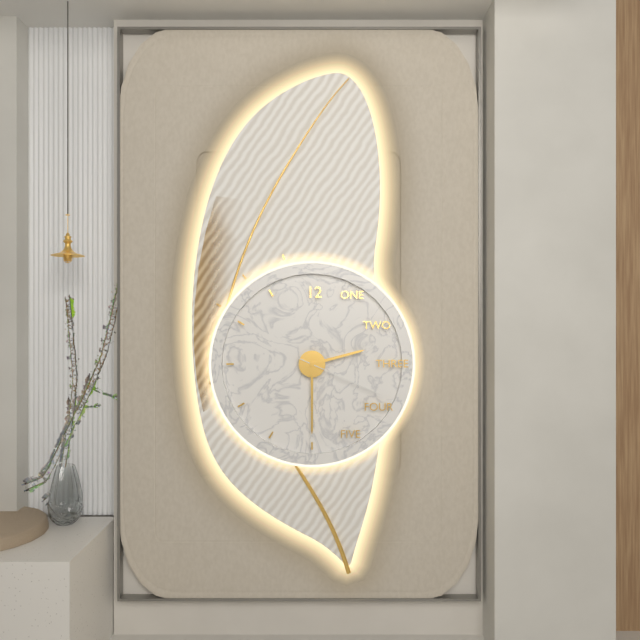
2:30:19
